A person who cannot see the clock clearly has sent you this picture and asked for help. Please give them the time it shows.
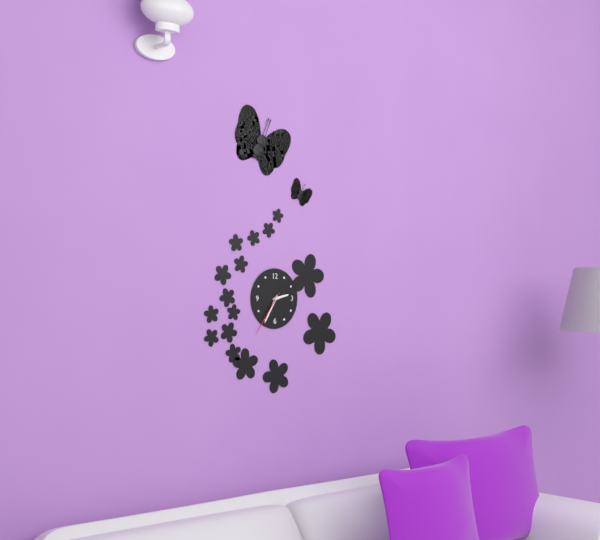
2:35:36
